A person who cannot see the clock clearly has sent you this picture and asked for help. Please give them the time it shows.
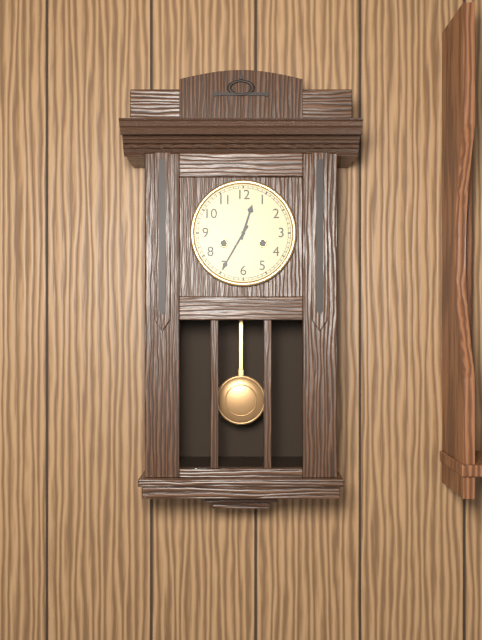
12:35
